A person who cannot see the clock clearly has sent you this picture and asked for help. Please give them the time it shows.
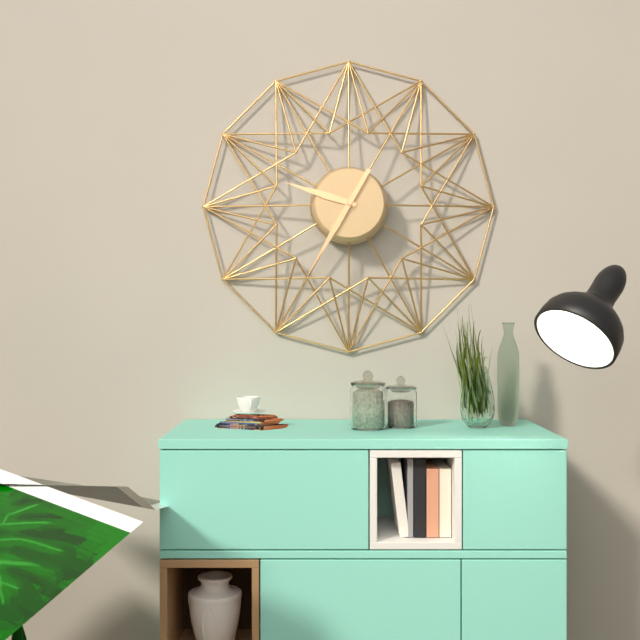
9:35
